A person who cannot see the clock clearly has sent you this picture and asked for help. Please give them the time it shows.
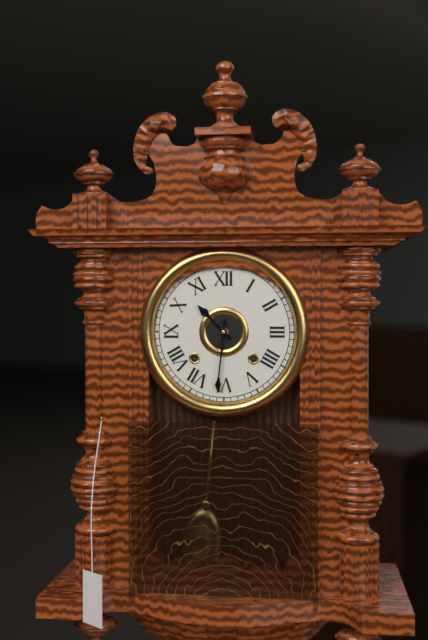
10:31
